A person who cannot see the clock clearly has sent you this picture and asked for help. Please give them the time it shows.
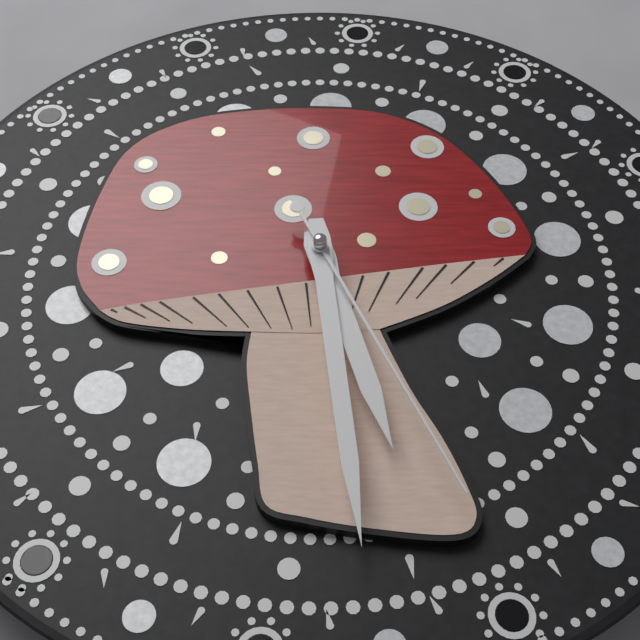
5:29:26
